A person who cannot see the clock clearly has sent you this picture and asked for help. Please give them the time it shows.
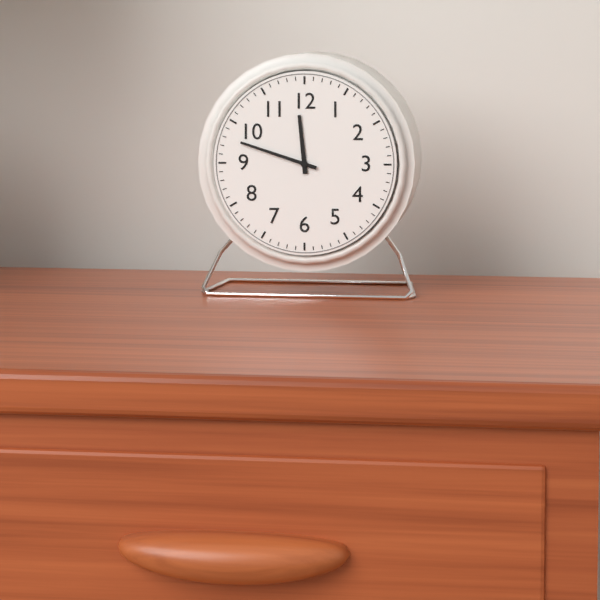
11:48
